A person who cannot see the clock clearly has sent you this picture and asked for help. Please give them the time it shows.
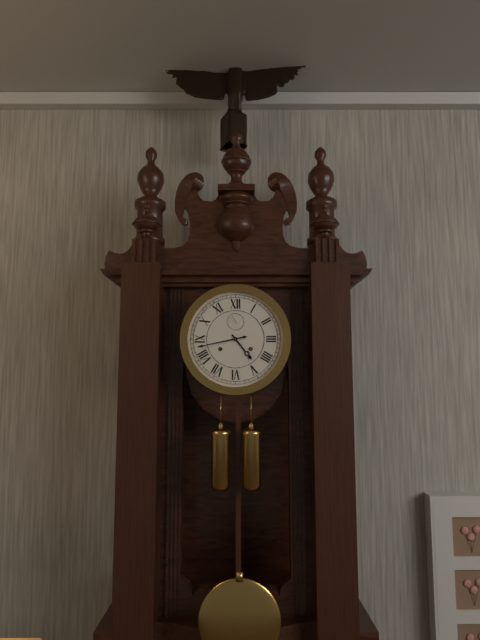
4:43
